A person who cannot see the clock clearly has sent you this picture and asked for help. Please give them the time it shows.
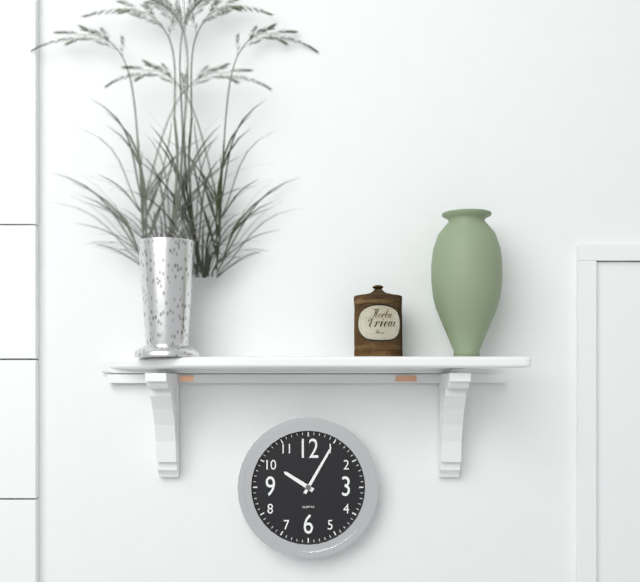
10:05
